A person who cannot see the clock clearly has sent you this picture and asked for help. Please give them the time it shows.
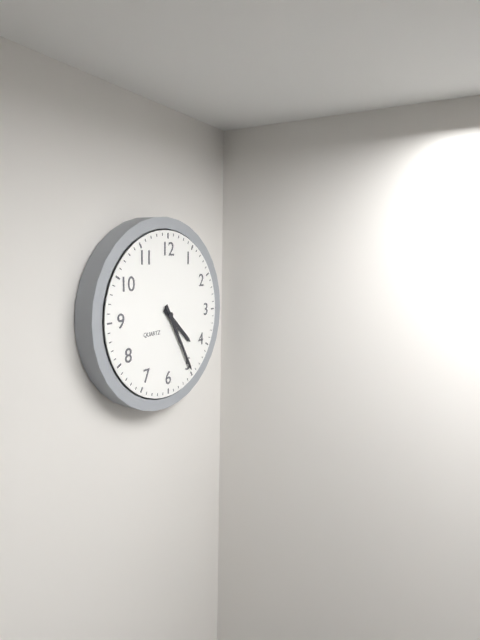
4:25
